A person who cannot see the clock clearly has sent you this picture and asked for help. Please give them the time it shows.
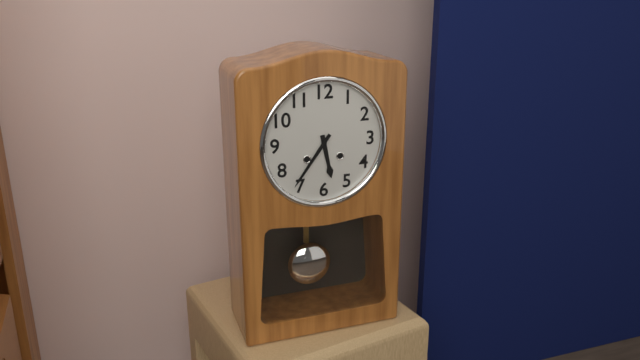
5:36
